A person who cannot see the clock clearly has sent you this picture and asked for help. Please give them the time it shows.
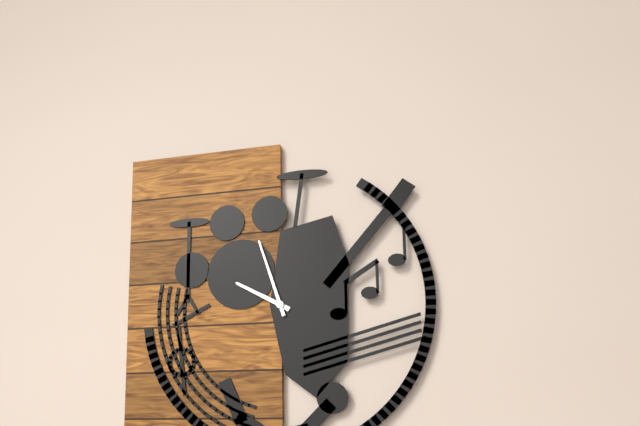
9:57
